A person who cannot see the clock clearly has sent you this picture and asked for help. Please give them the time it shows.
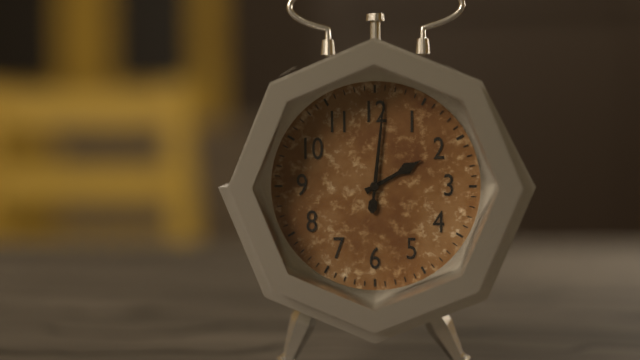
2:01
